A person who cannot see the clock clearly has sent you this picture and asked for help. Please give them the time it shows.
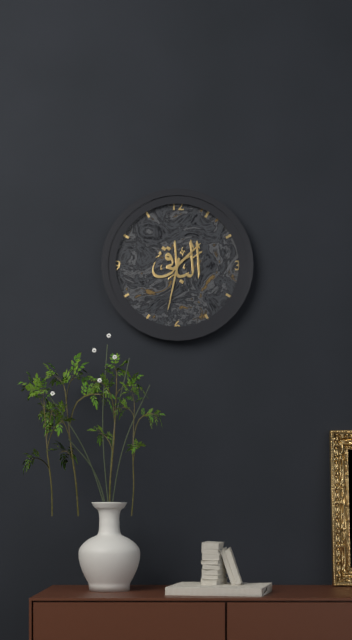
1:32
